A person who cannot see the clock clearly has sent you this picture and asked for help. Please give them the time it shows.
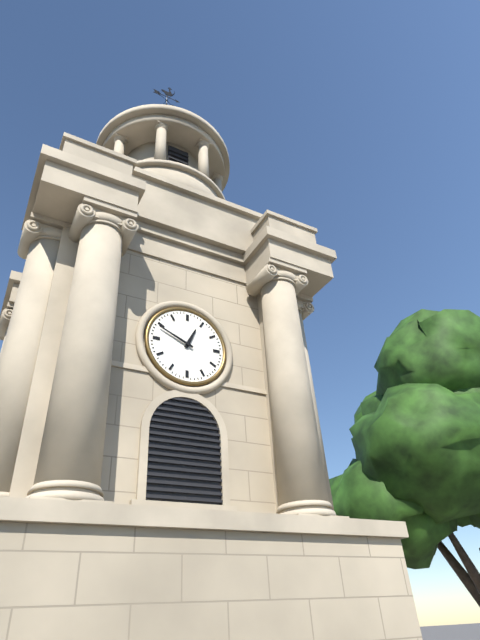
12:49
